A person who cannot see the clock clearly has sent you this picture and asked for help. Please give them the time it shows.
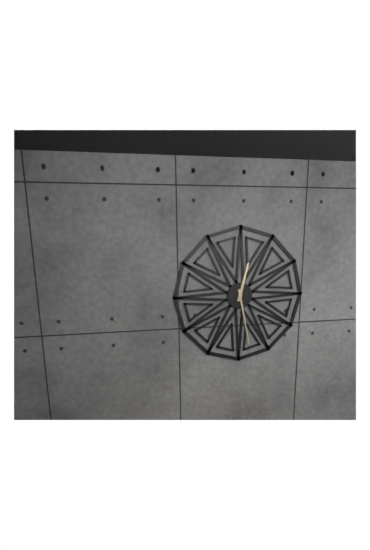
12:28
